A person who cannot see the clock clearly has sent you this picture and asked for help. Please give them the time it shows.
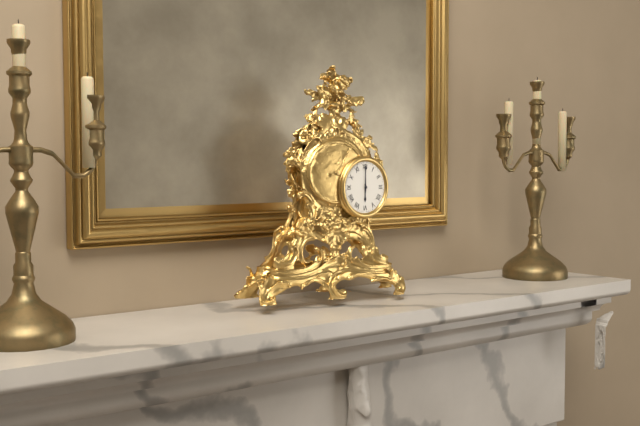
6:00
